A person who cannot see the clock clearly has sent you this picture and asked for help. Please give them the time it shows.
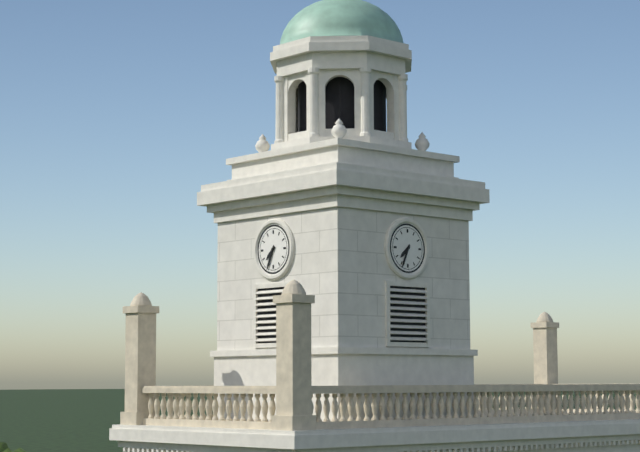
7:34
